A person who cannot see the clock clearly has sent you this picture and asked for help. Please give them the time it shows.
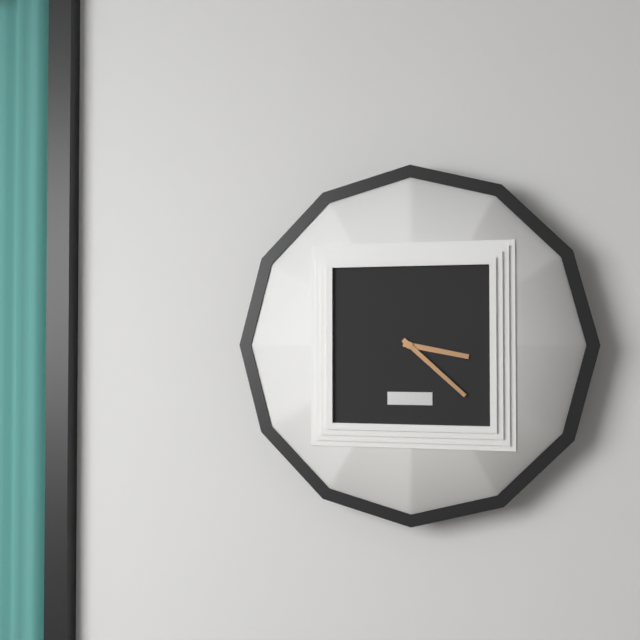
3:22
